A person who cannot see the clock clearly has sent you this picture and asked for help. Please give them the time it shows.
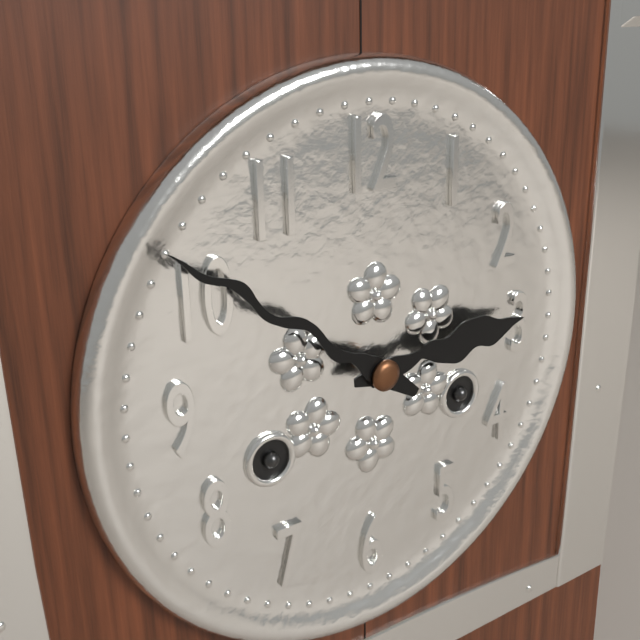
2:51
